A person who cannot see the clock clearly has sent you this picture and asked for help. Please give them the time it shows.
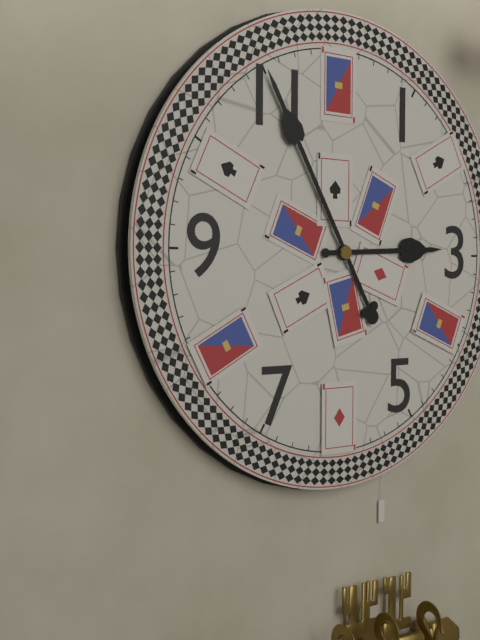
2:55
